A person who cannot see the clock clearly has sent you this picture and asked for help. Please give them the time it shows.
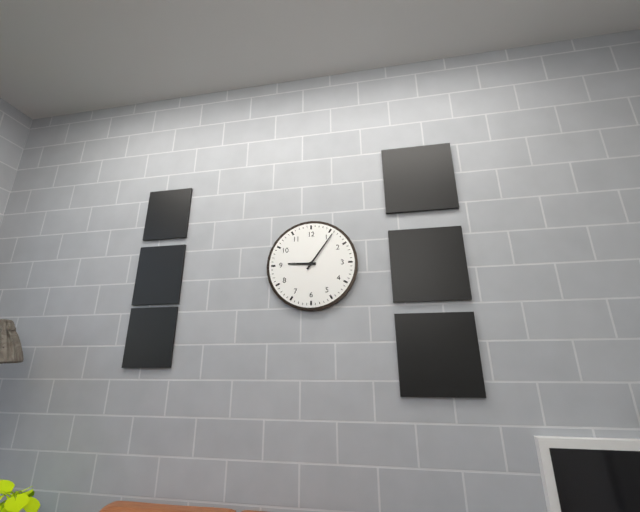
9:06
